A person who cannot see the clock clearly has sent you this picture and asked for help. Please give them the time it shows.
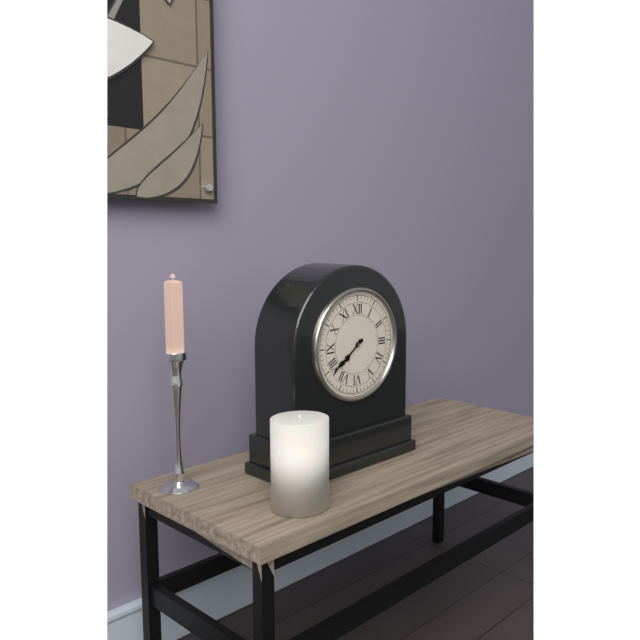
7:39
